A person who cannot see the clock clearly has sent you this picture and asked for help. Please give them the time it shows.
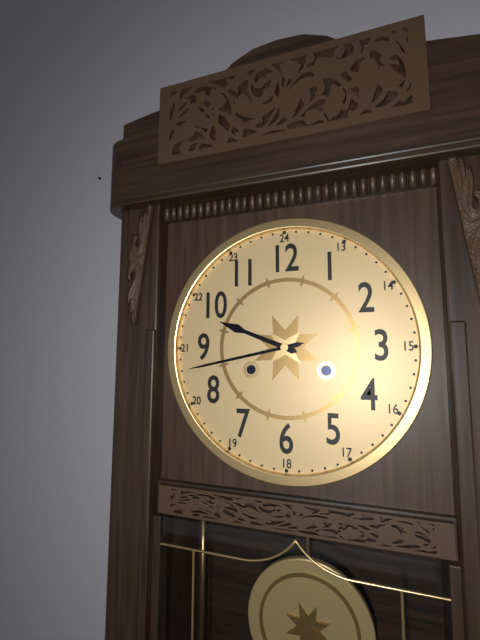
9:43
